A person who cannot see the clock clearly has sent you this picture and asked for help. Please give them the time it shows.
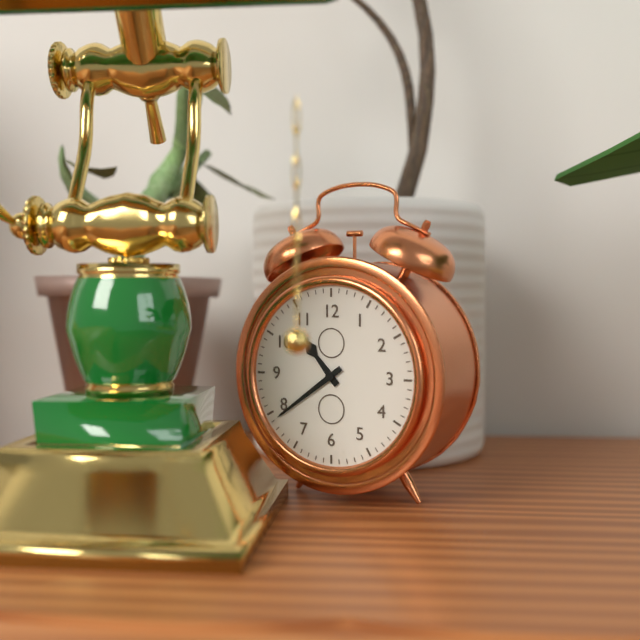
10:39
